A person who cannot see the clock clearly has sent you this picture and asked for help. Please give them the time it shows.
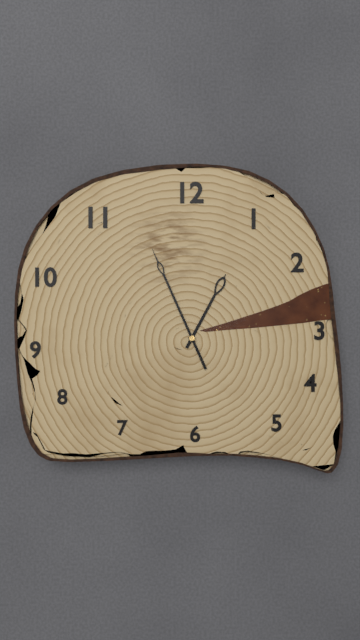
12:56
